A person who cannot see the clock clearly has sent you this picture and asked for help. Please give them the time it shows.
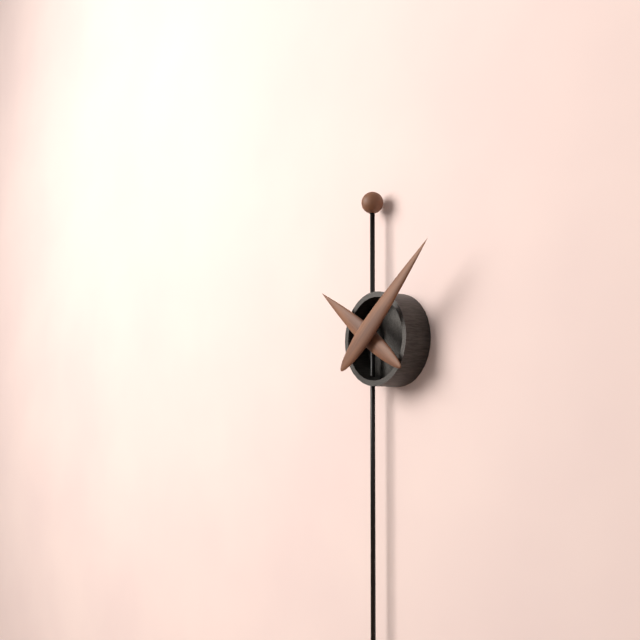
10:08
